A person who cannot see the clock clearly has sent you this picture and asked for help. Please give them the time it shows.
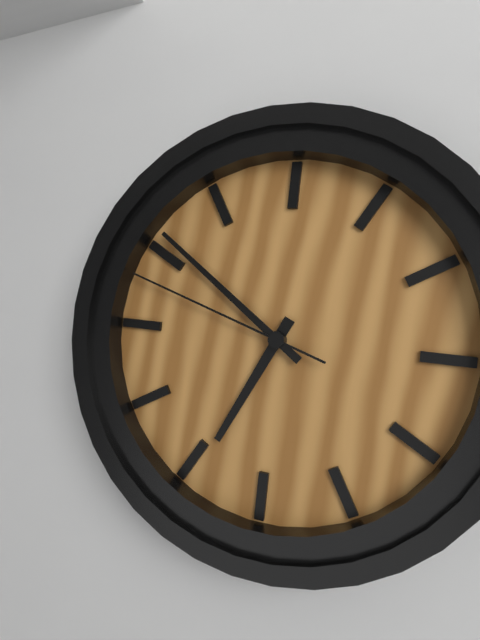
6:51:48
